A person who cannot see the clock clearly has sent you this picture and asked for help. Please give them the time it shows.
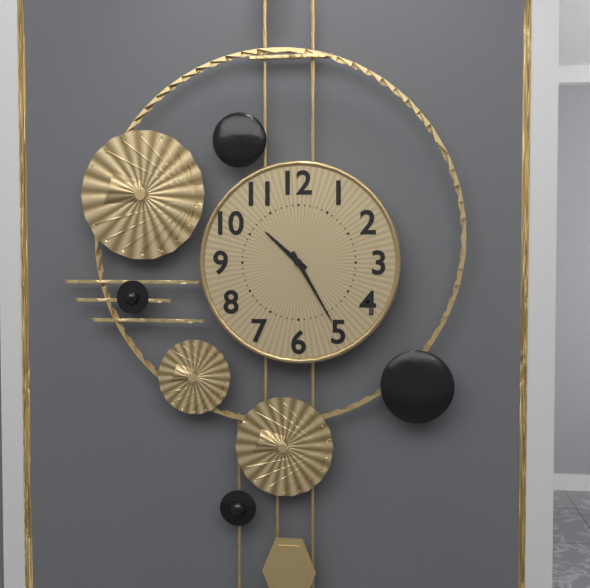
10:25
